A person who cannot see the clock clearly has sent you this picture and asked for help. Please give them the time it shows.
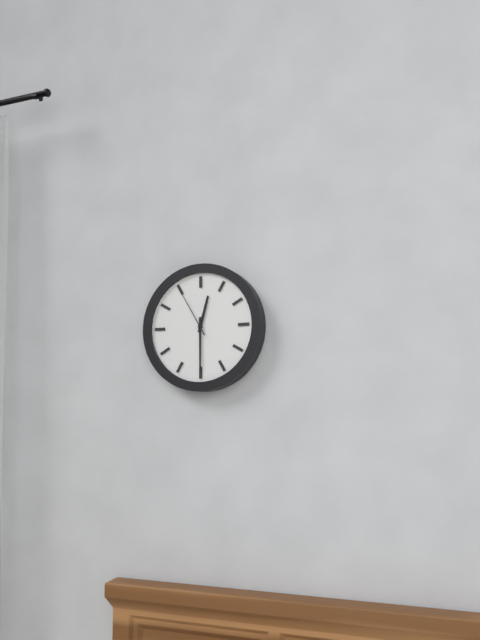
12:30
